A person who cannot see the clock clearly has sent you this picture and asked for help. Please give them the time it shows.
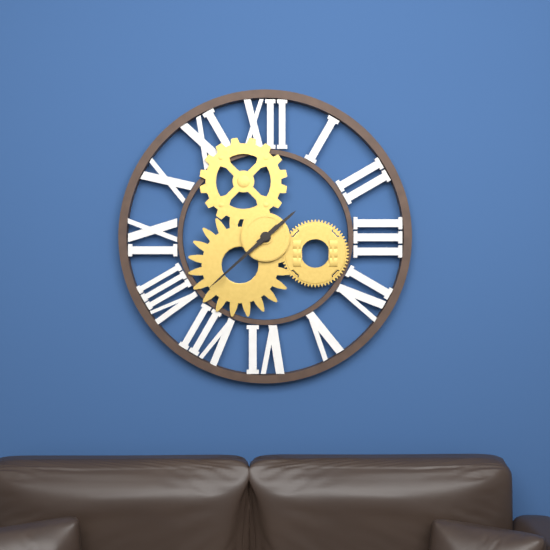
1:38
